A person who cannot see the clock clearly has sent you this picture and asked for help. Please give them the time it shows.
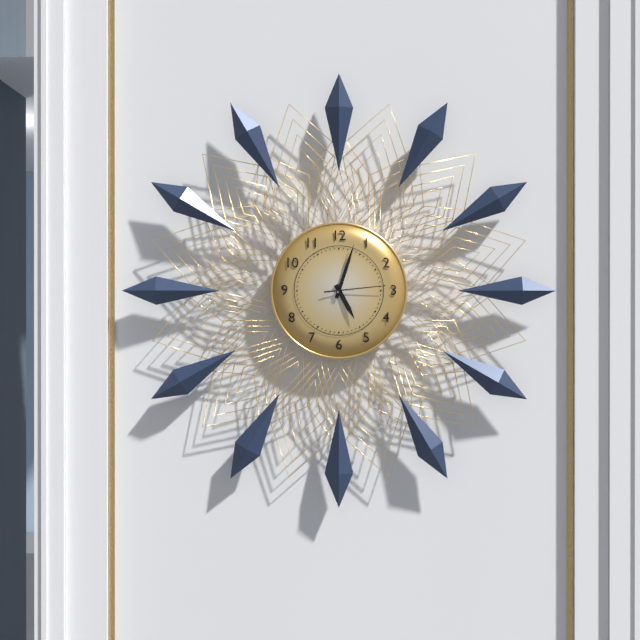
5:03:14
